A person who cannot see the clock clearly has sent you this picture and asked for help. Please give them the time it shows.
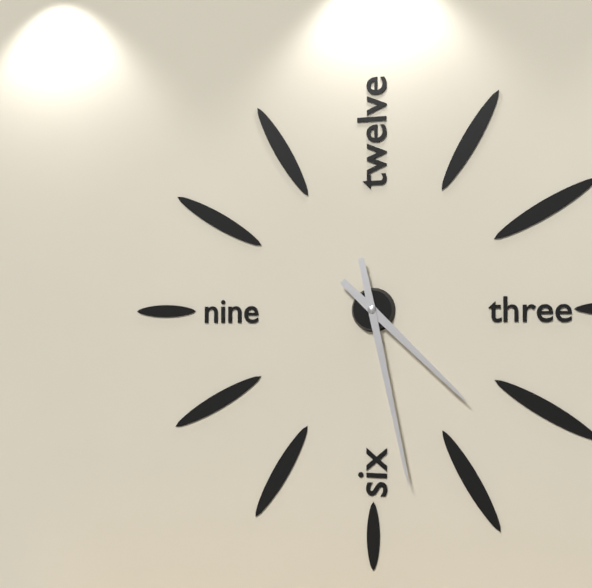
4:28
